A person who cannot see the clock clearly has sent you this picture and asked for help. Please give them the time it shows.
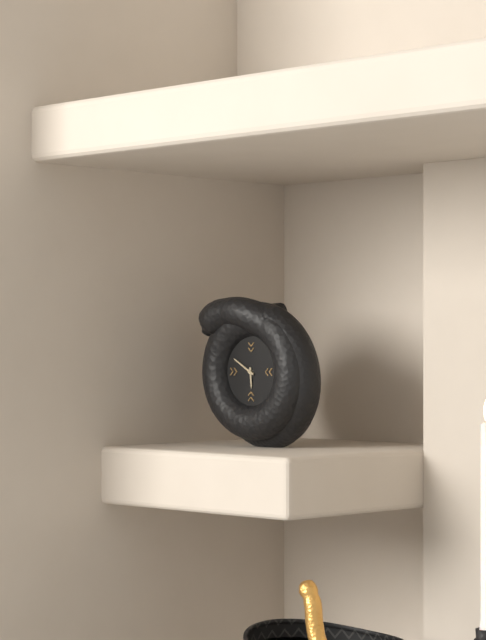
5:50
